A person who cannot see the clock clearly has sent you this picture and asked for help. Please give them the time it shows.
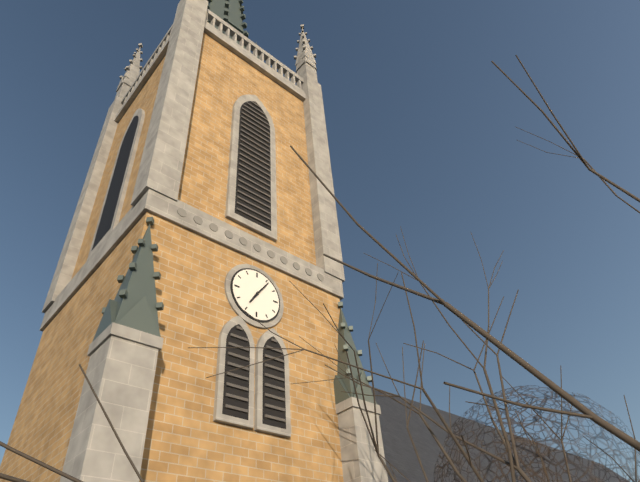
7:06
